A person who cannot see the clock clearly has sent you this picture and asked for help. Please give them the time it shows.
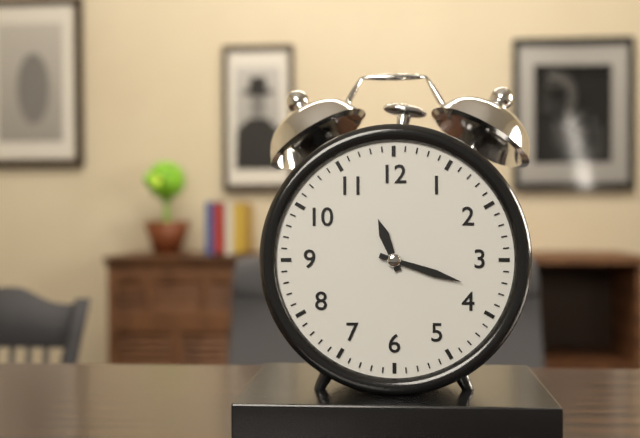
11:18
